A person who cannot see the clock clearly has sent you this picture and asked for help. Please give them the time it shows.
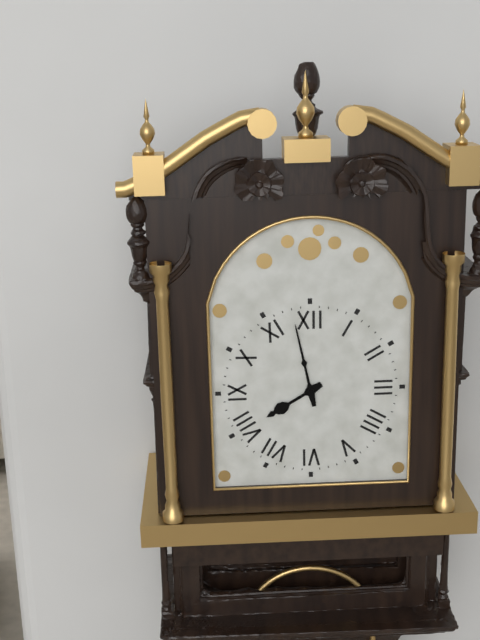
7:58
